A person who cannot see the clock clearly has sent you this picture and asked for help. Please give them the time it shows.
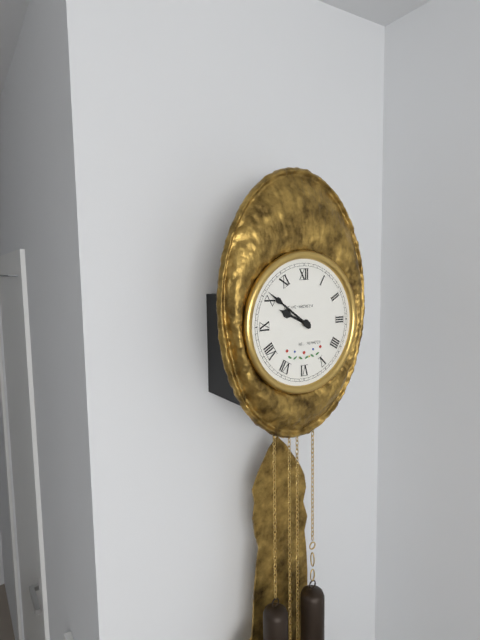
9:51
